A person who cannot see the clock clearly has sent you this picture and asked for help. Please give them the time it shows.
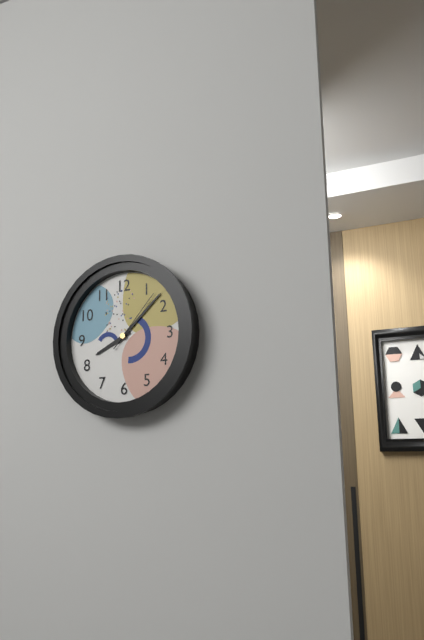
8:08:07
